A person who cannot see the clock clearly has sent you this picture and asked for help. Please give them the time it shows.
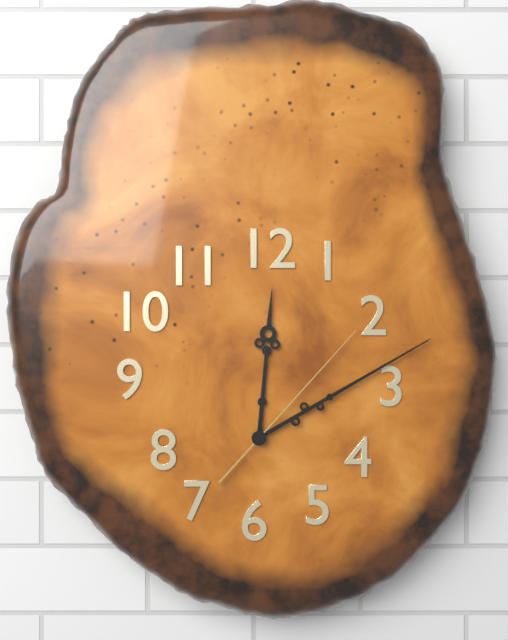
12:10:07
